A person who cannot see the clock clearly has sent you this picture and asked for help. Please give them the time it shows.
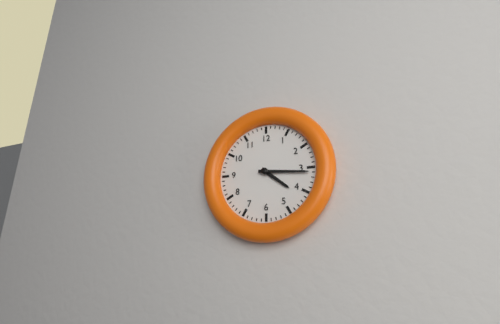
4:16
